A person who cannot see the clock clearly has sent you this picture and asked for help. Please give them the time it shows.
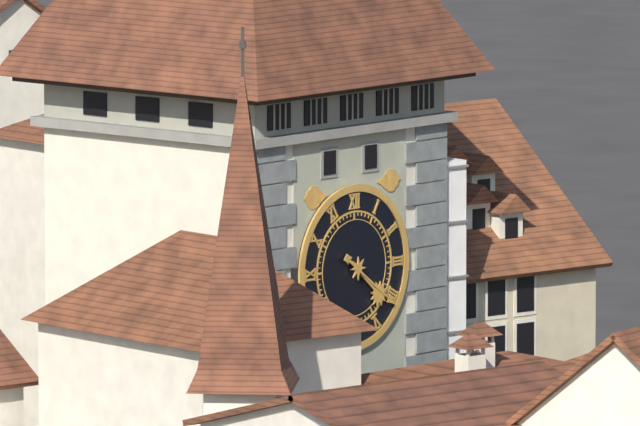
4:21
